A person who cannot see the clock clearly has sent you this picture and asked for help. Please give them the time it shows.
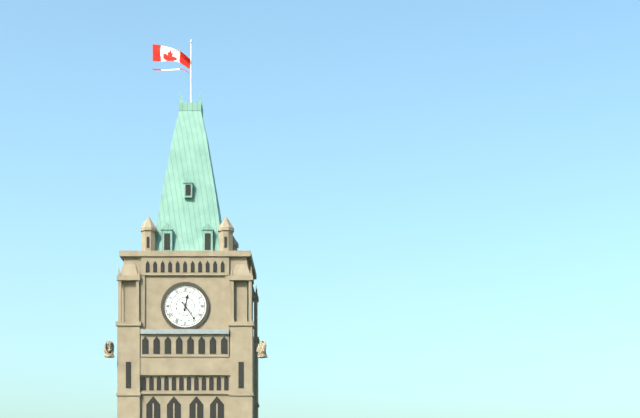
12:24
